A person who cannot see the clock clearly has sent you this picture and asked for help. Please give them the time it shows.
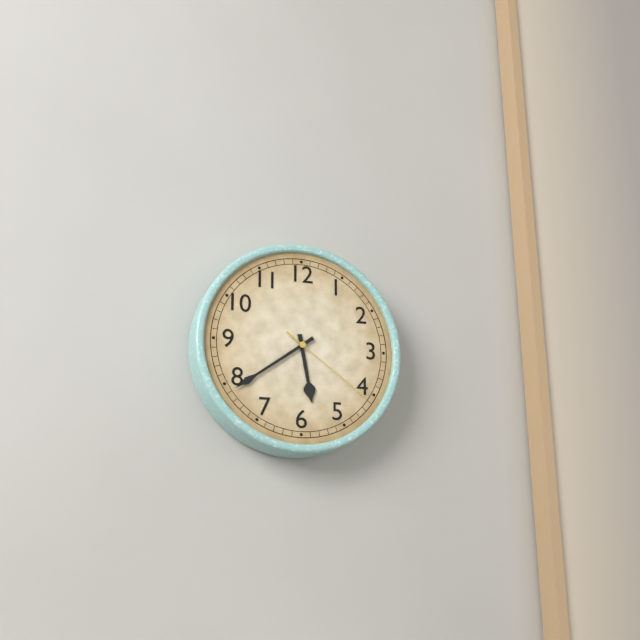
5:39:21
